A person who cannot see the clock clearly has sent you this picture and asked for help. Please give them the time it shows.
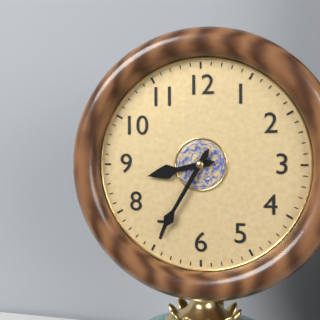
8:35
